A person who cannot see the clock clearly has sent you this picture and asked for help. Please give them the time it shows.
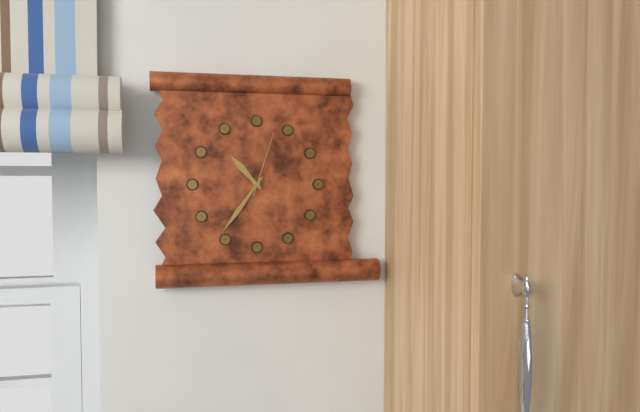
10:36:03
